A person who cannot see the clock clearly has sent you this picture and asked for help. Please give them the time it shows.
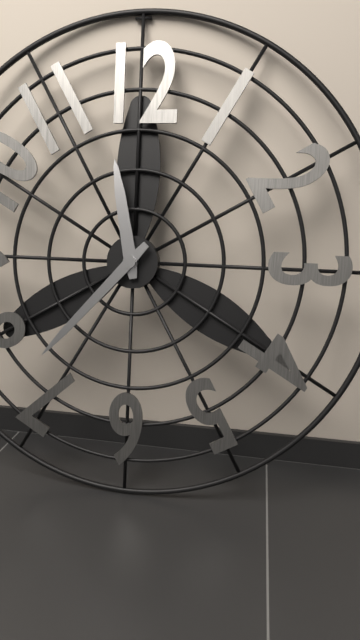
11:37
